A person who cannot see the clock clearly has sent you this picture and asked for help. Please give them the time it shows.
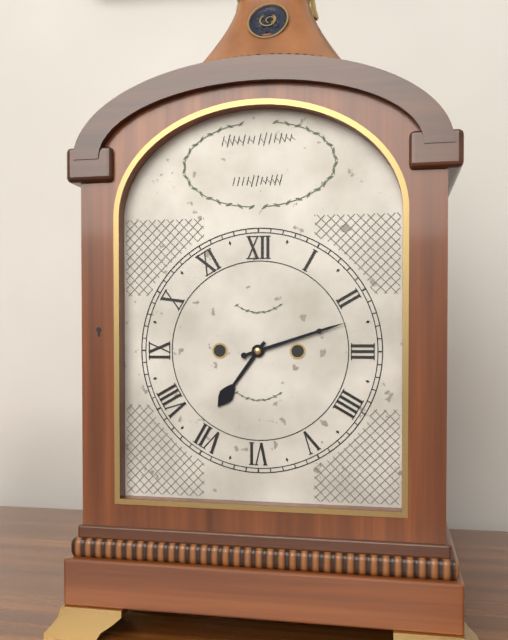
7:12
